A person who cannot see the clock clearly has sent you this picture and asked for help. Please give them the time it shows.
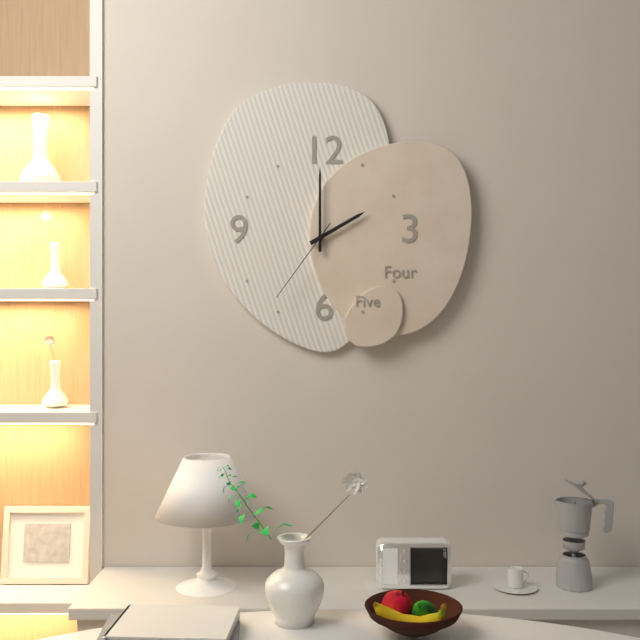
2:00:36
